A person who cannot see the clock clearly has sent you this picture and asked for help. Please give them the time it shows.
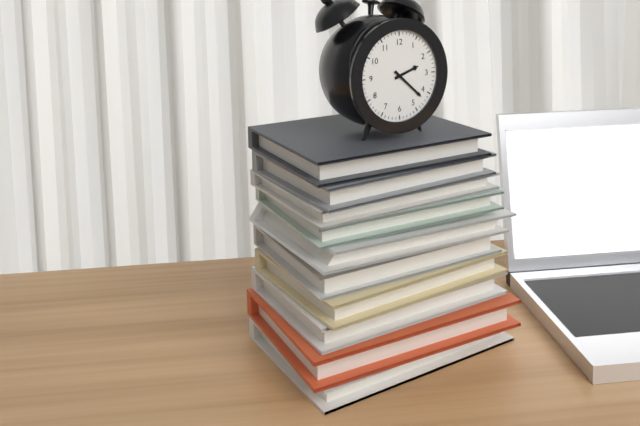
2:22
